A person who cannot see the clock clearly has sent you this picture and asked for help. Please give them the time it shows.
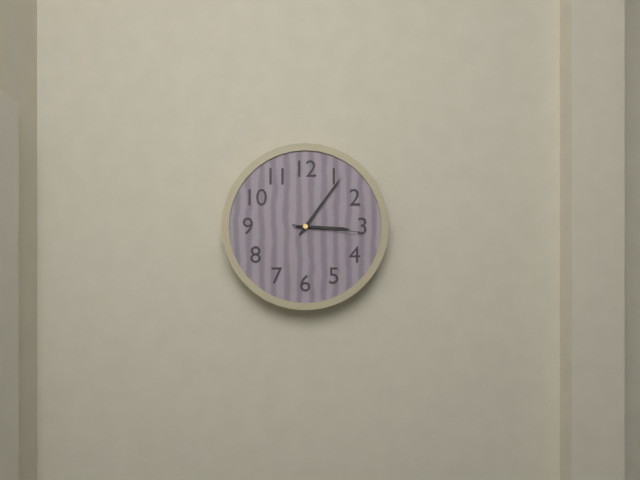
3:06:16
